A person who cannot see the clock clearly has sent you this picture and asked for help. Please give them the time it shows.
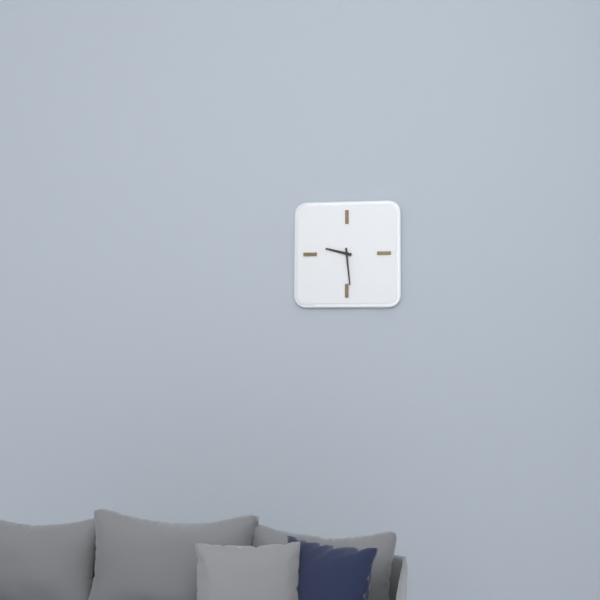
9:29
